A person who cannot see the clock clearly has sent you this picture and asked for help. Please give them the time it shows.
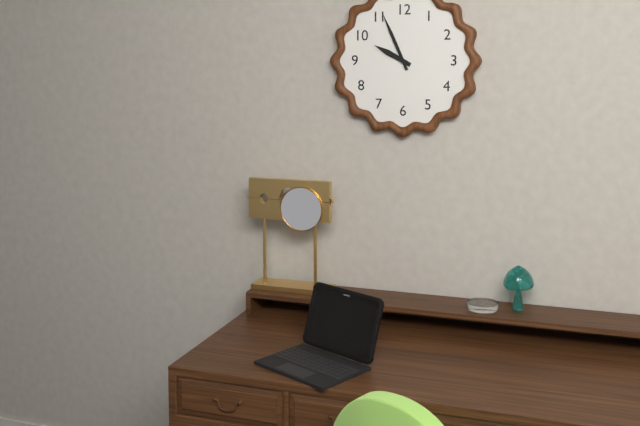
9:56
